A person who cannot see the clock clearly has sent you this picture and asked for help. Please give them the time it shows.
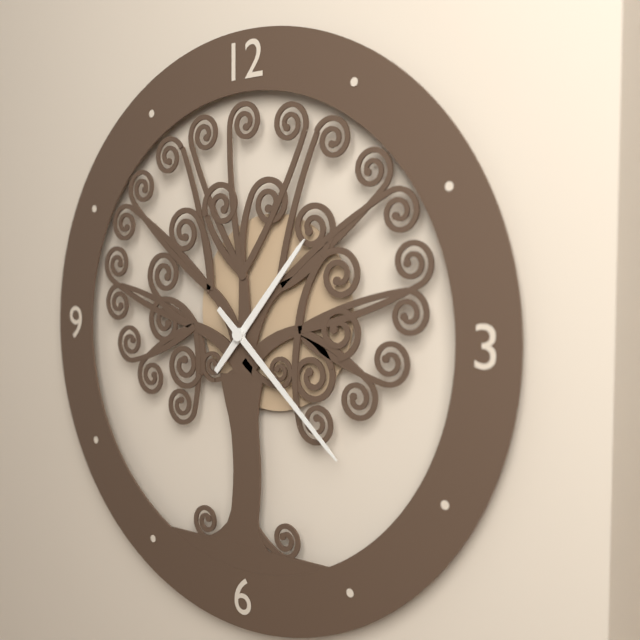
1:22
